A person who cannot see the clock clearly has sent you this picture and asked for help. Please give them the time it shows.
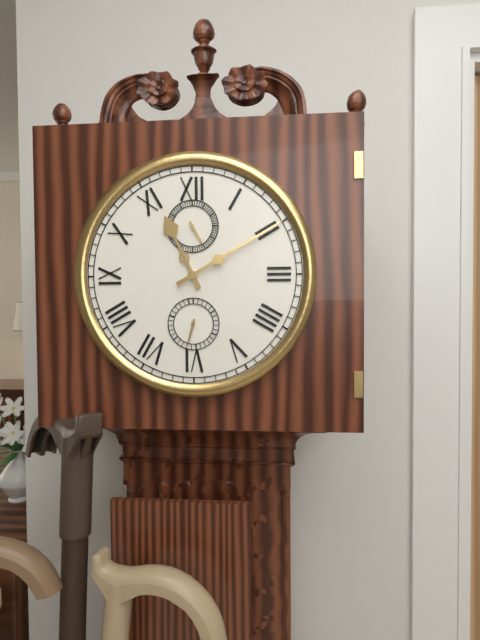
11:10
